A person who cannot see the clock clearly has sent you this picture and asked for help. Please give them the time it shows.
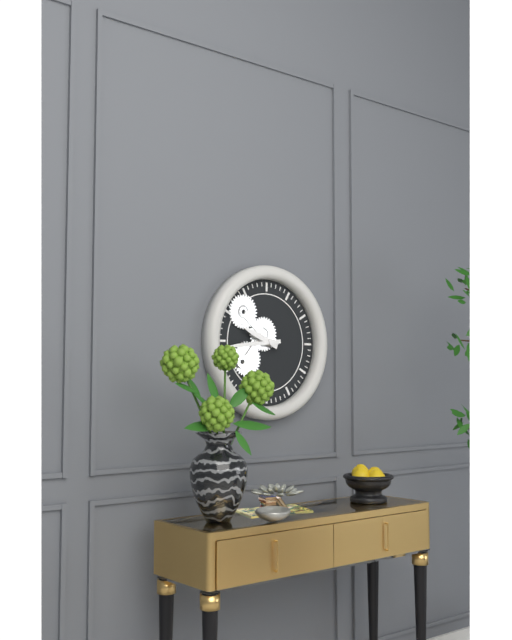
9:44
